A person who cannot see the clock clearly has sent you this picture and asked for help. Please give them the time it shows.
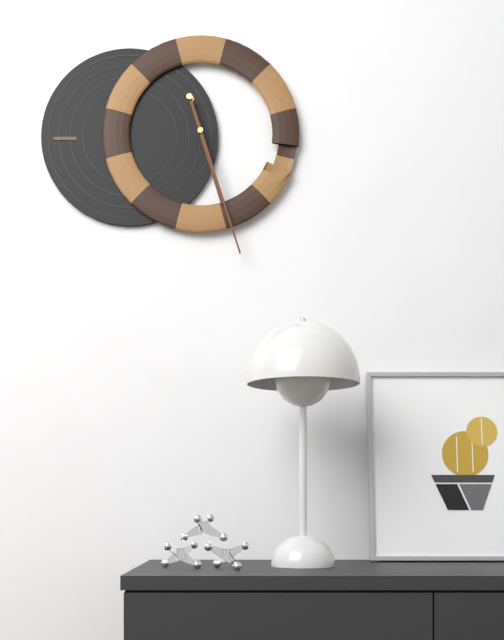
5:27
